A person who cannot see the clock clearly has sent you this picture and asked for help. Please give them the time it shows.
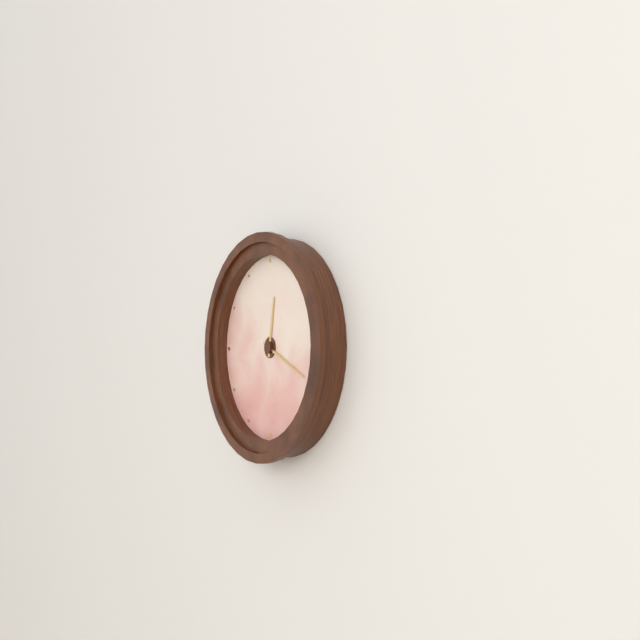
12:19
